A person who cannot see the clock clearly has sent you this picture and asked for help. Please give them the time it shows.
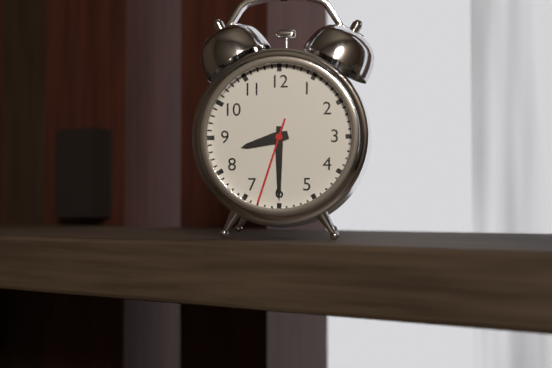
8:30:33
